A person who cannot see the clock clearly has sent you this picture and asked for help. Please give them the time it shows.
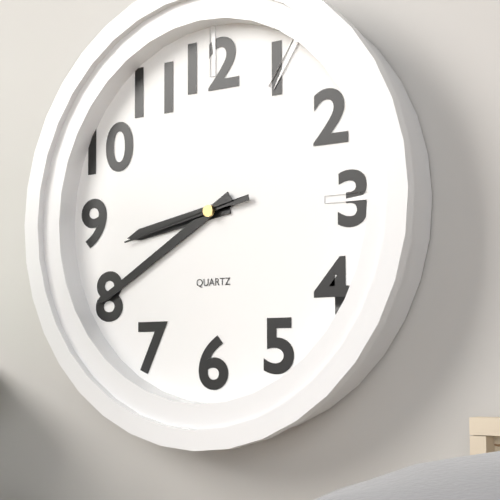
8:40:43
